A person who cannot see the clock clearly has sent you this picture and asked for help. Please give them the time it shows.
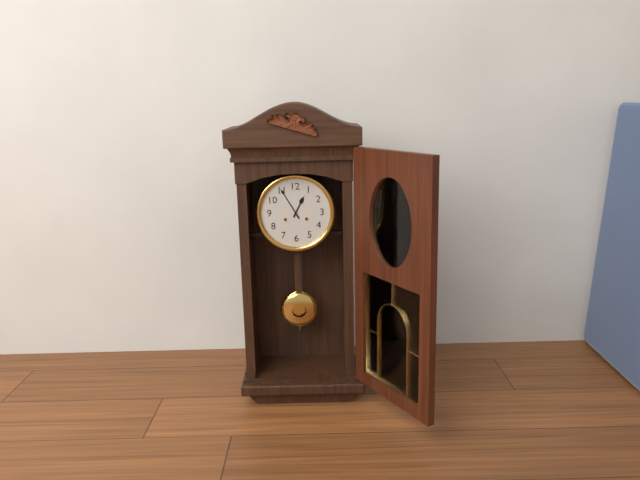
12:55
